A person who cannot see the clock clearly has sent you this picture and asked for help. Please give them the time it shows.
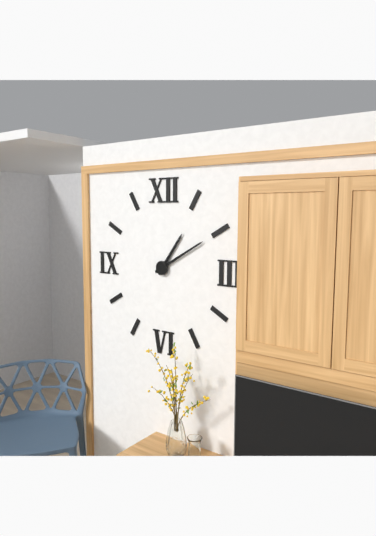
1:10
